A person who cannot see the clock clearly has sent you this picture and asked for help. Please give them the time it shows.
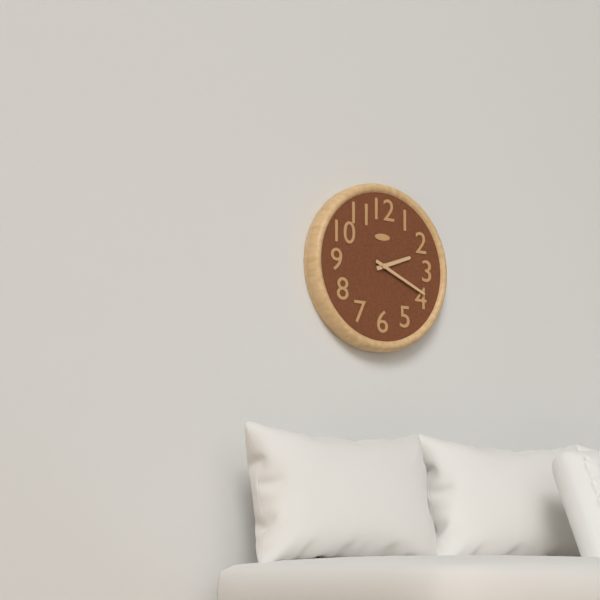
2:19
